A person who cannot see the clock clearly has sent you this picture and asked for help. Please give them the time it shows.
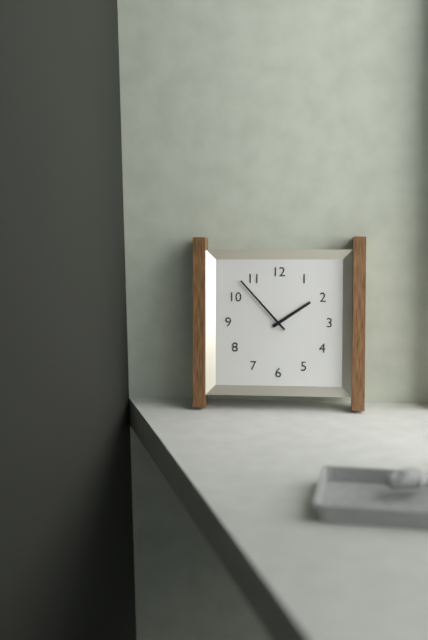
1:53
